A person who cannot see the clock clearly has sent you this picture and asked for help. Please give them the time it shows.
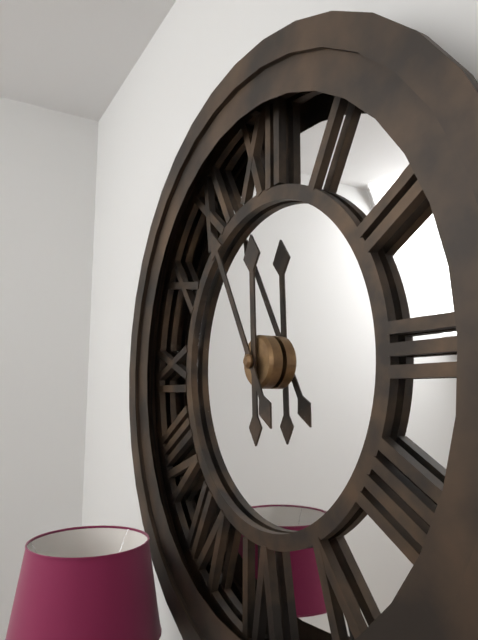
11:55
